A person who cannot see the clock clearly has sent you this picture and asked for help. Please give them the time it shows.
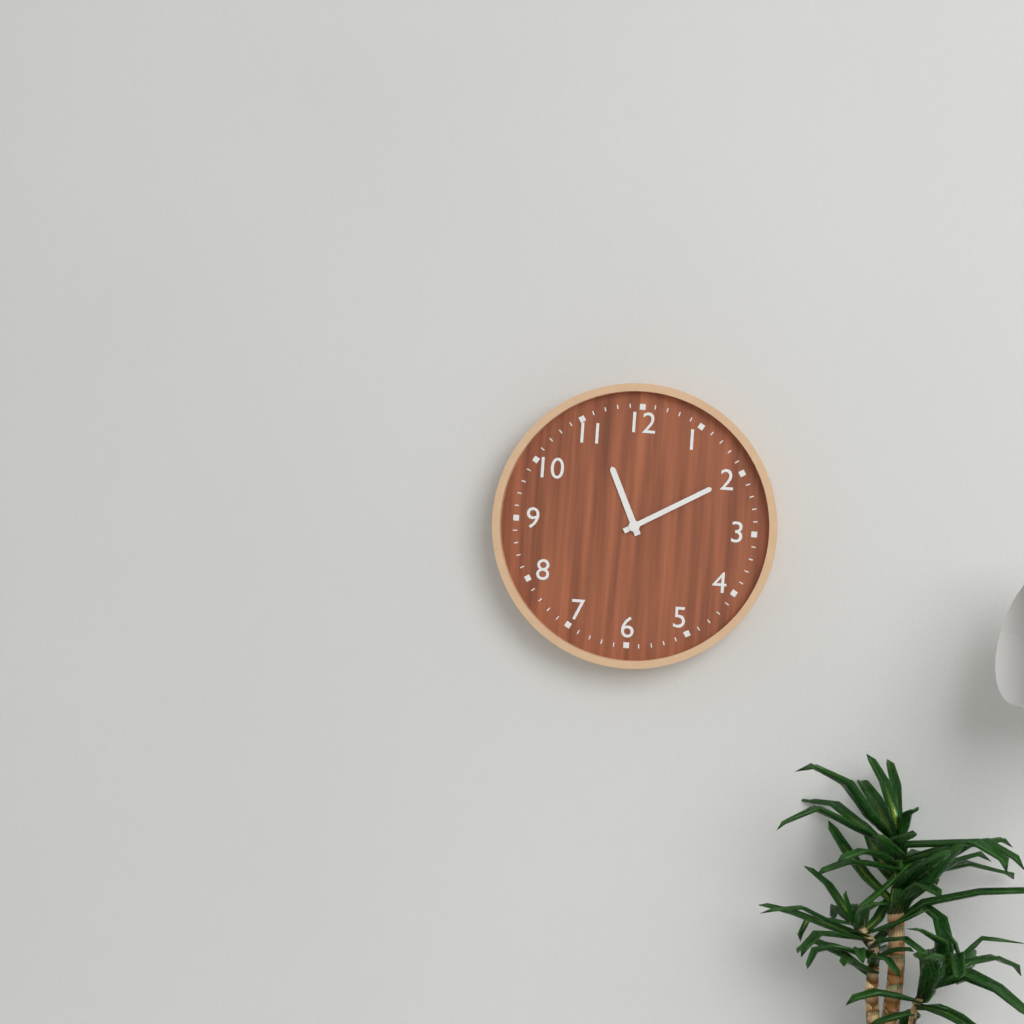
11:10
